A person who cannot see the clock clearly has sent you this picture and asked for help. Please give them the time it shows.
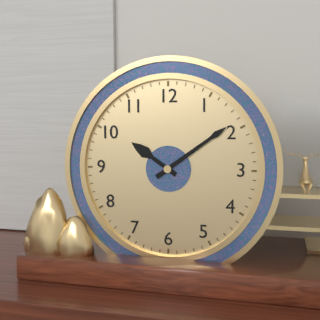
10:09
